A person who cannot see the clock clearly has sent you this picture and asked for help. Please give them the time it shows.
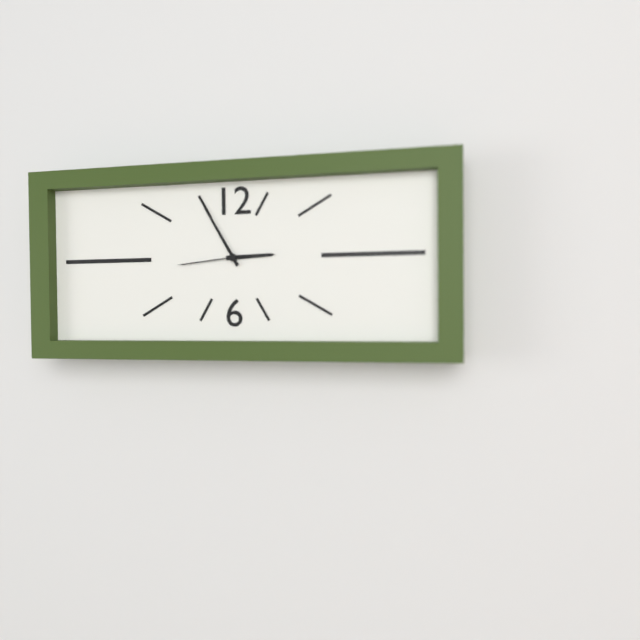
2:55:44
